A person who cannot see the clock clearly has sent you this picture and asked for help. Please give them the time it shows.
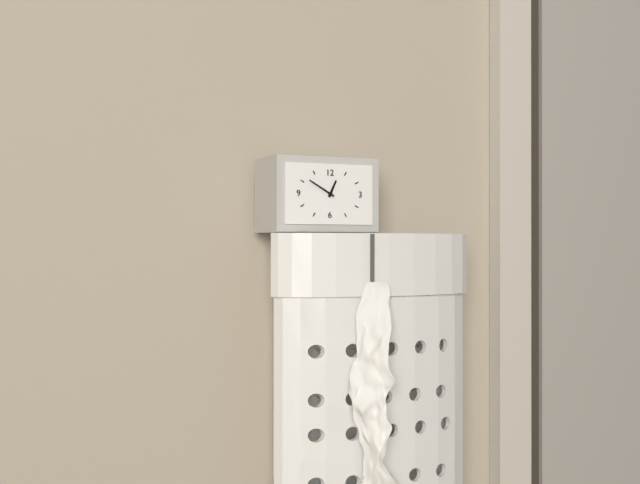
12:50
